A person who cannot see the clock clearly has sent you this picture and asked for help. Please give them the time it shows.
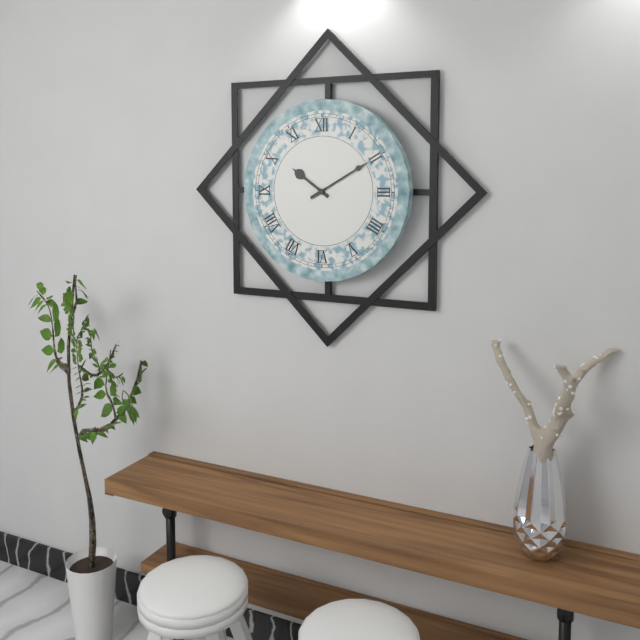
10:10
